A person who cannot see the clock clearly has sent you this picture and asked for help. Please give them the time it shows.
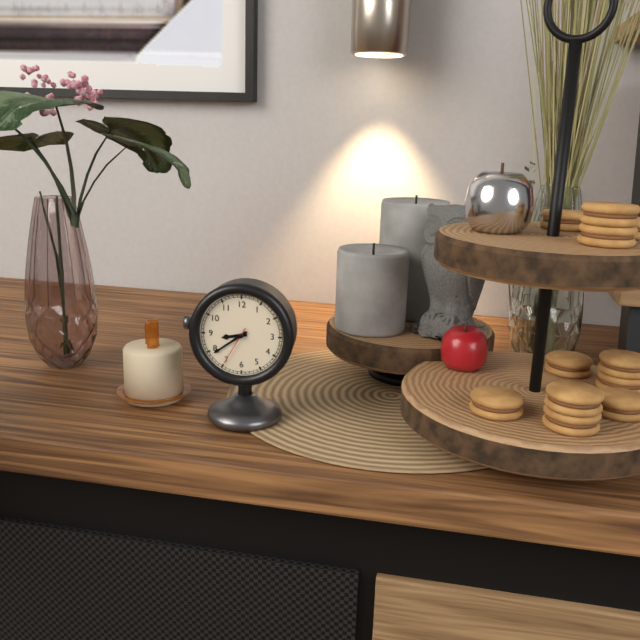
8:39
